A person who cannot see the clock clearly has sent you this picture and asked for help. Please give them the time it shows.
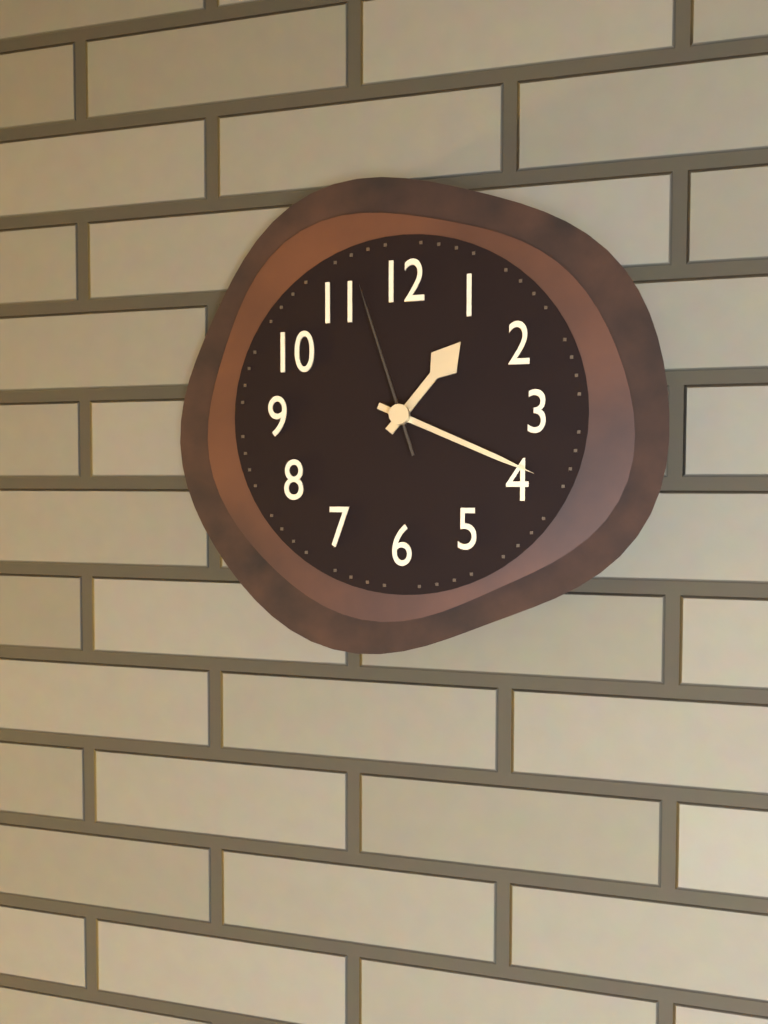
1:19:57
